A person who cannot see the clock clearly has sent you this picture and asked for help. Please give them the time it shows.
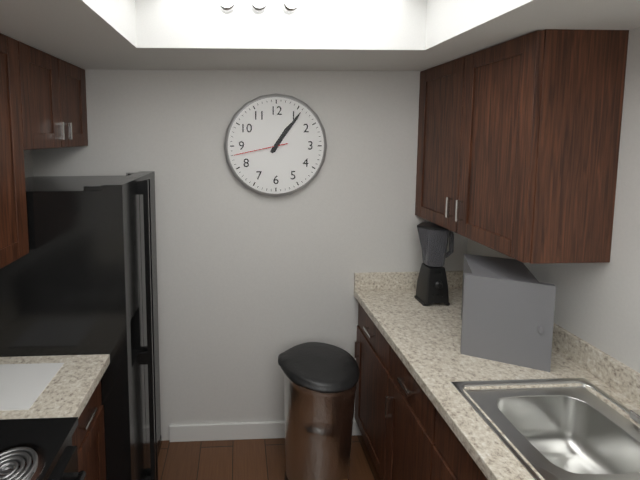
1:06:43
